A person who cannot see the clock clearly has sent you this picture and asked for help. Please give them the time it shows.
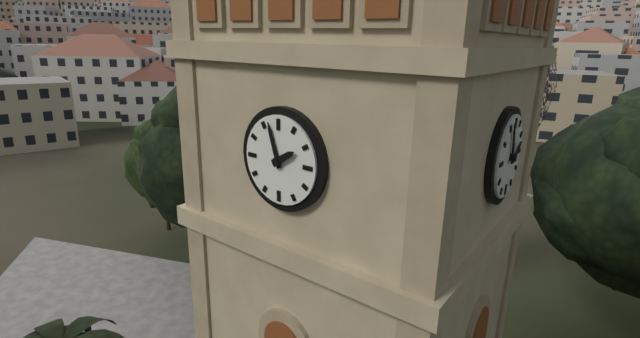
1:57
